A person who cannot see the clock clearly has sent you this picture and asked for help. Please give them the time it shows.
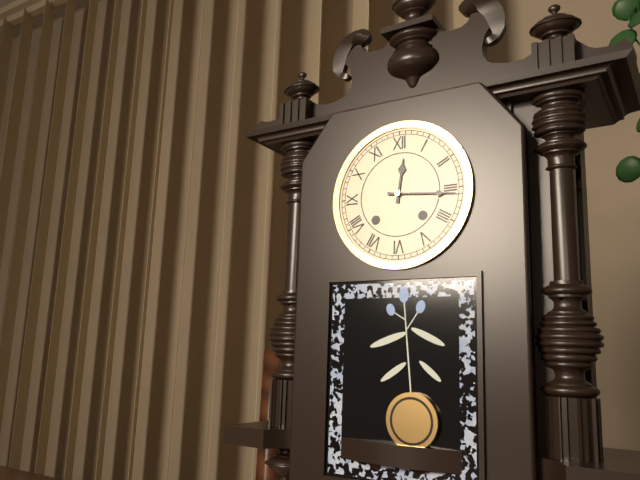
12:16
